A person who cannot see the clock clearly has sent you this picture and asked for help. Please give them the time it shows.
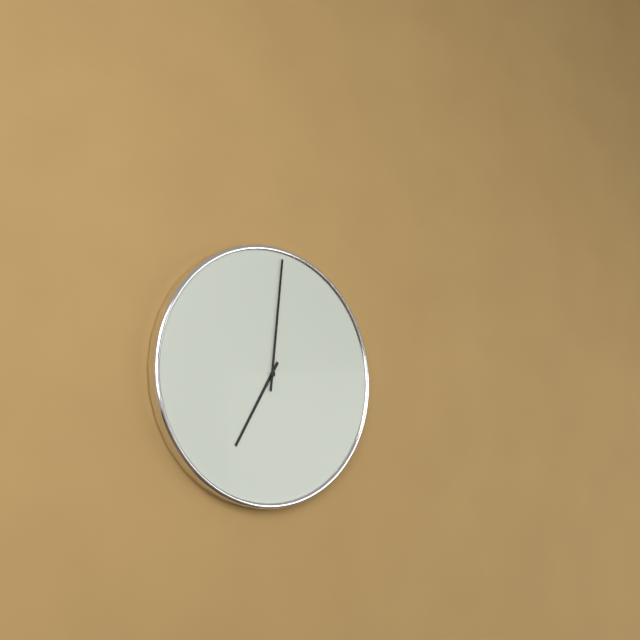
7:01
